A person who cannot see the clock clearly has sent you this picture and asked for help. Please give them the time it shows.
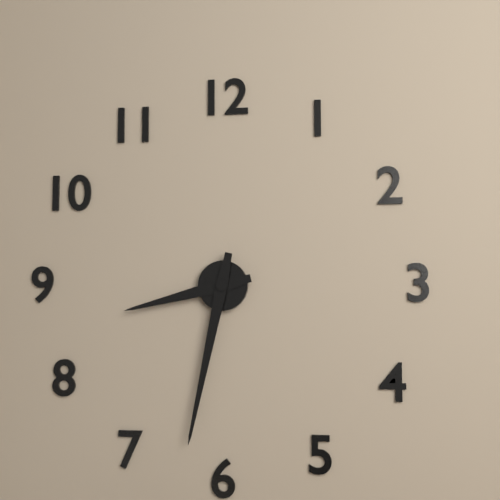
8:32
